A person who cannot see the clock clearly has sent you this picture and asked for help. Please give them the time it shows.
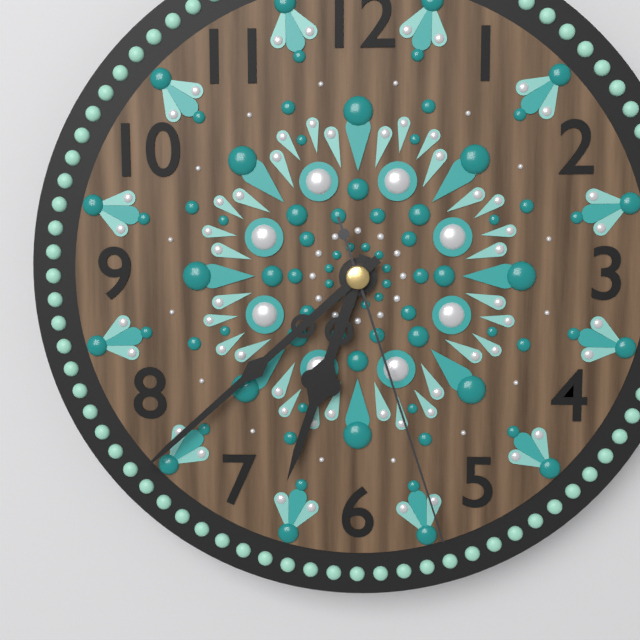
6:38:27
